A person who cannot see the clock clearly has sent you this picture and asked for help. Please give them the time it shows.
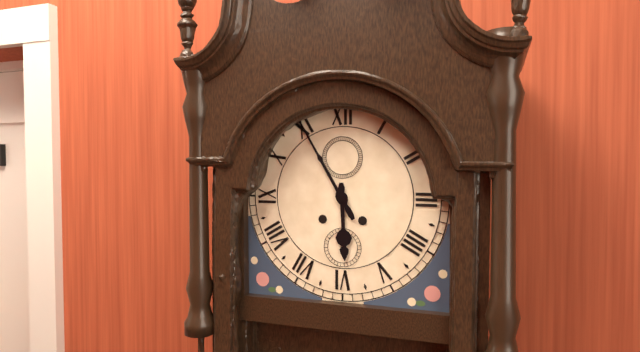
5:55
